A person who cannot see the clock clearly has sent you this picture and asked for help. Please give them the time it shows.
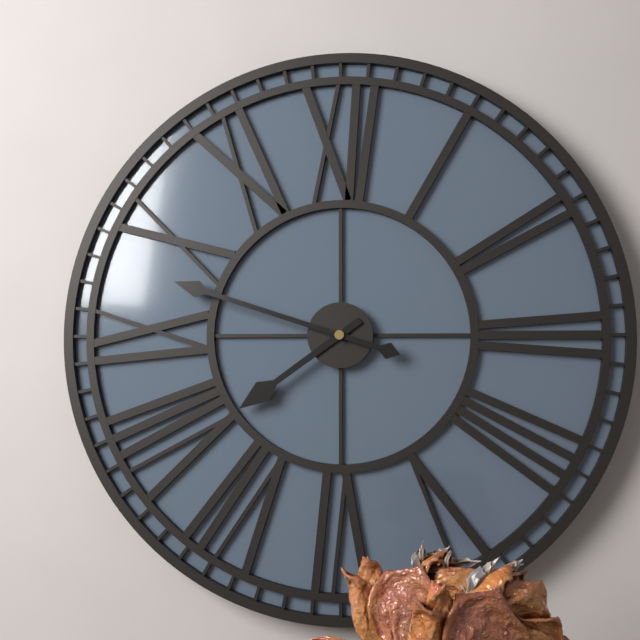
7:48
